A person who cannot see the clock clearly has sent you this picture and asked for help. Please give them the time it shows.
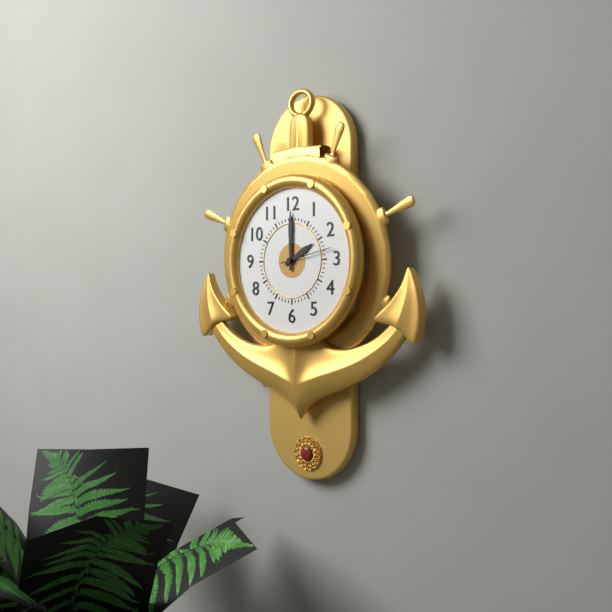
2:00:13
